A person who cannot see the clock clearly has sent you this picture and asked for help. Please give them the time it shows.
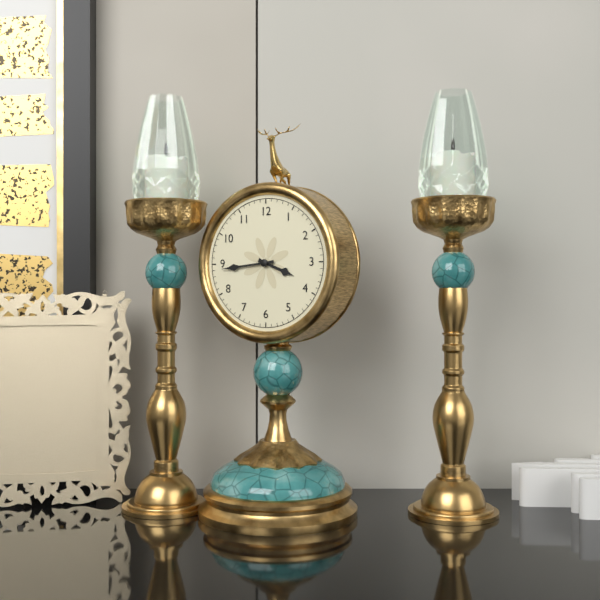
3:44
